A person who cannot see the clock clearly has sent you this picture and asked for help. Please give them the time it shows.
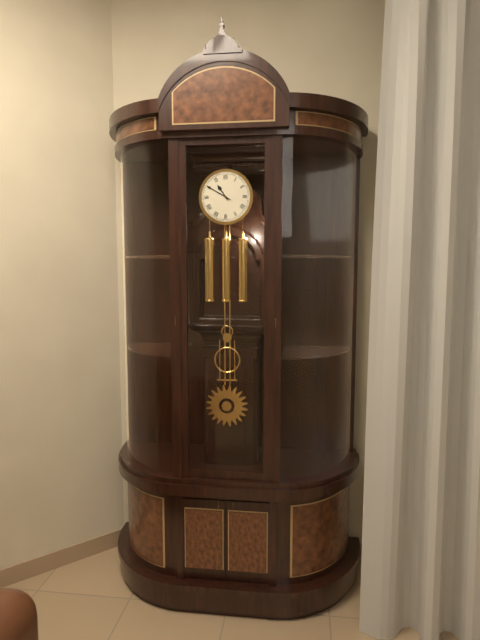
10:50
